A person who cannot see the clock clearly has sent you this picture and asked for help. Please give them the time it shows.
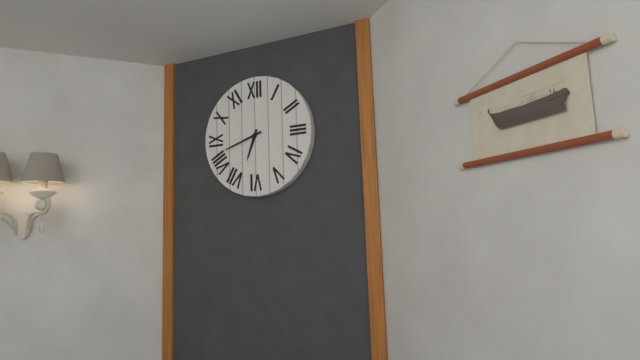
6:42
